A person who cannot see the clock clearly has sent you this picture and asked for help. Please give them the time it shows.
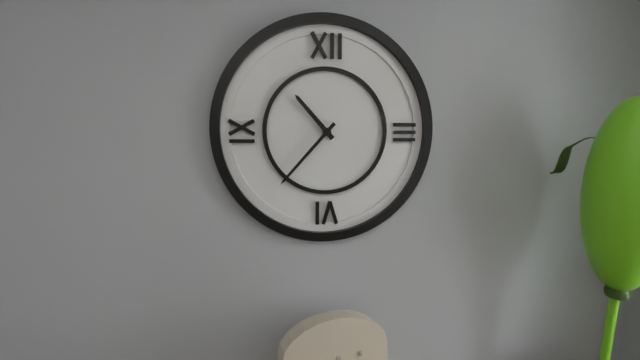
10:37
